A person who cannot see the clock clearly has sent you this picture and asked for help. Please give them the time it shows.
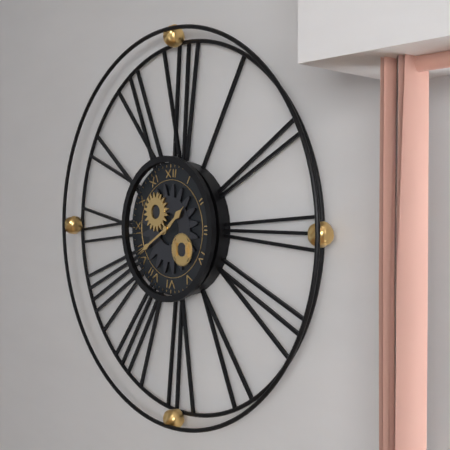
1:40
